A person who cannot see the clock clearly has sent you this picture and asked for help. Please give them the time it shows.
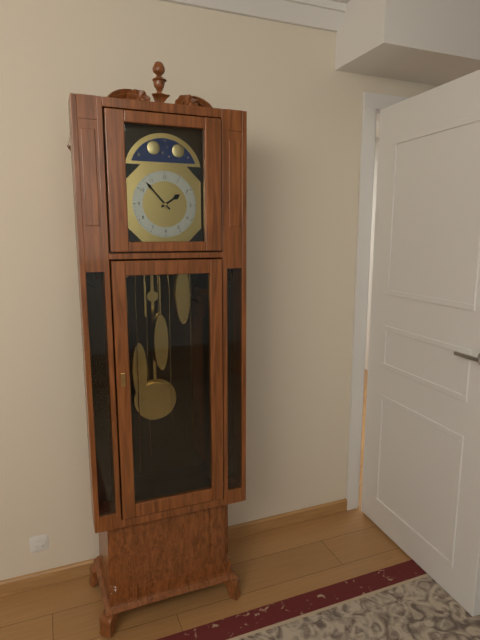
1:53
